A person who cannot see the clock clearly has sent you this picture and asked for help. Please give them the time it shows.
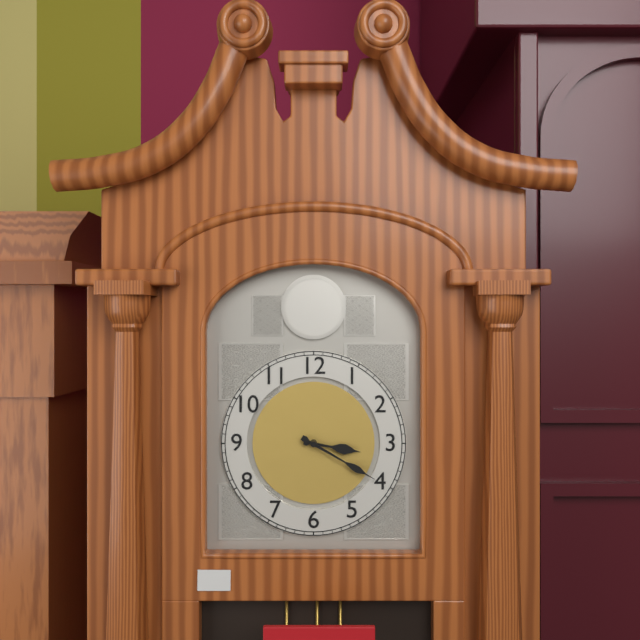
3:20
